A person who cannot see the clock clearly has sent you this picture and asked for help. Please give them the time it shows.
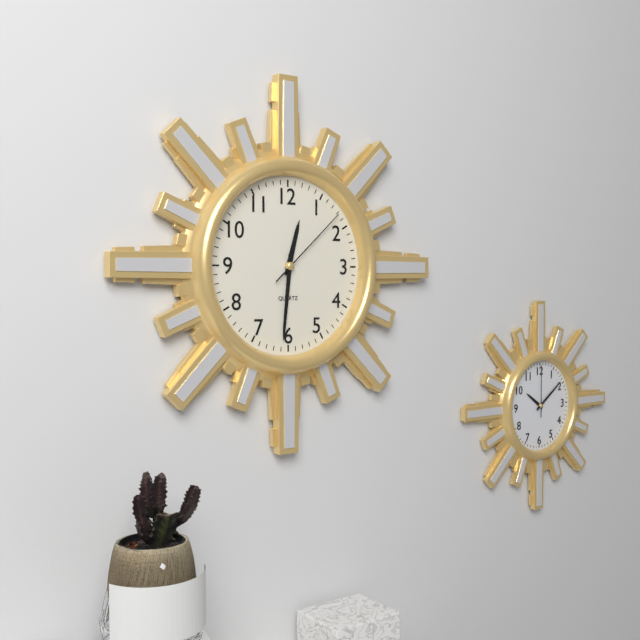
12:31:08
